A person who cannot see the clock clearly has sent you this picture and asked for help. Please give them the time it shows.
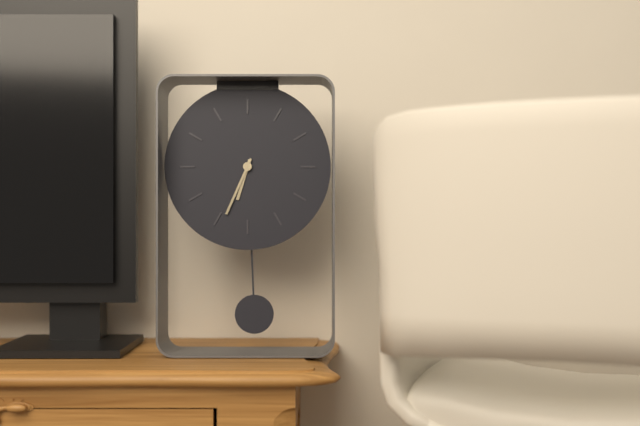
6:34
